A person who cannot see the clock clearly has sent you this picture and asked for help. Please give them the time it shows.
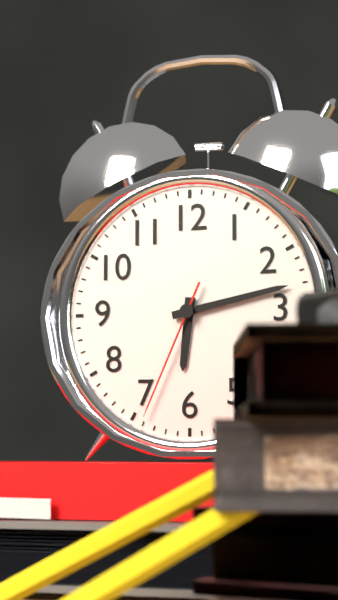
6:13:34
